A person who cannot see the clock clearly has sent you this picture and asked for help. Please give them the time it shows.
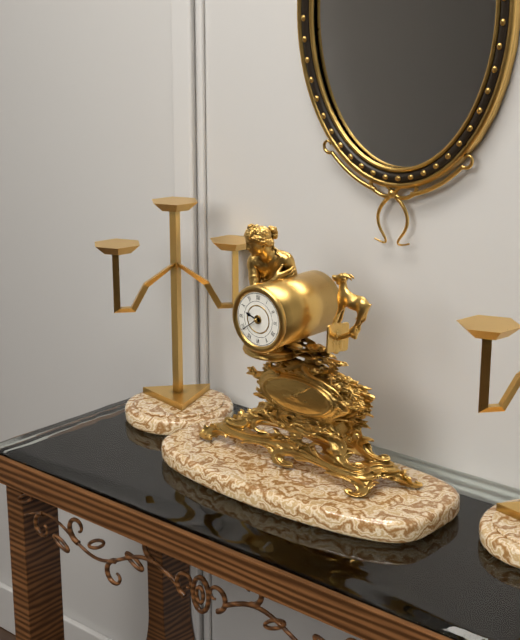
9:39
